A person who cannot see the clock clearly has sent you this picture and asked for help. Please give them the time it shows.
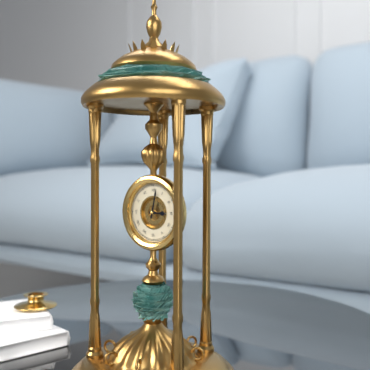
3:02
